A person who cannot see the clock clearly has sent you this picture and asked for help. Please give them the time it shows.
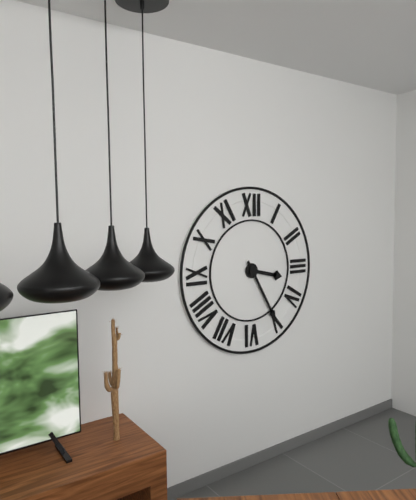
3:25
